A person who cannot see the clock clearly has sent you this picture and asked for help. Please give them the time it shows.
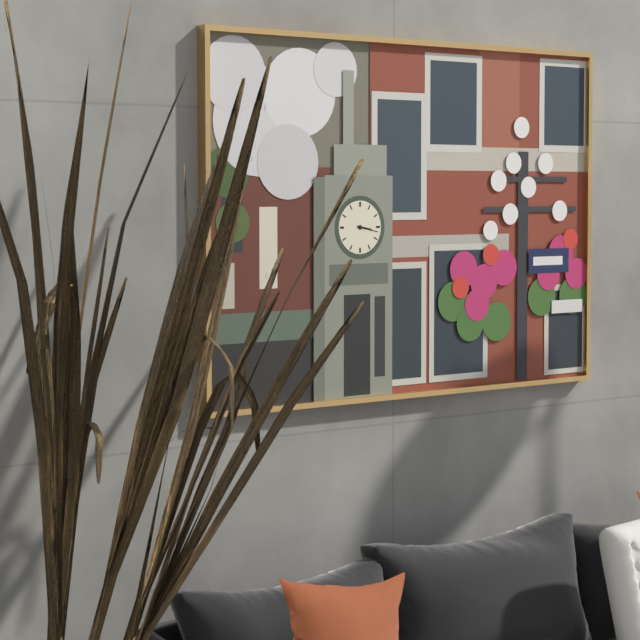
3:17
